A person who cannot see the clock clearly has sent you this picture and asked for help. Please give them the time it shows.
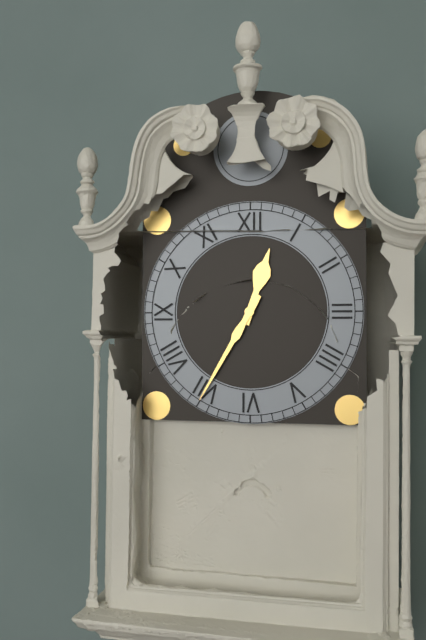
12:35
